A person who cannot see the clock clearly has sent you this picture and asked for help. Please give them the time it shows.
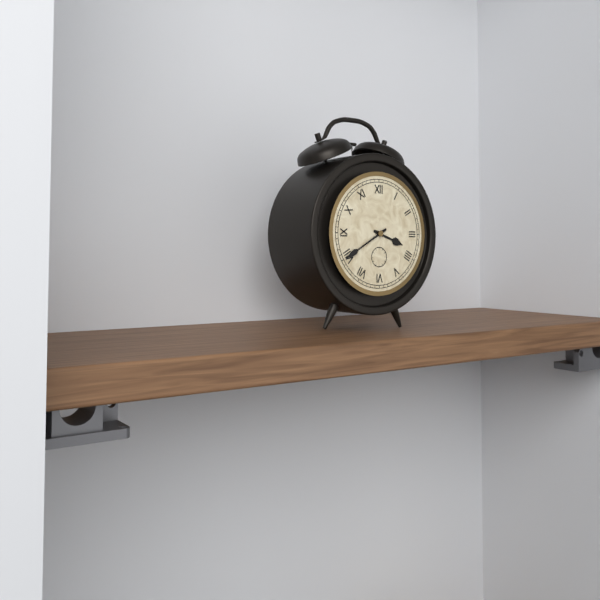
3:40
